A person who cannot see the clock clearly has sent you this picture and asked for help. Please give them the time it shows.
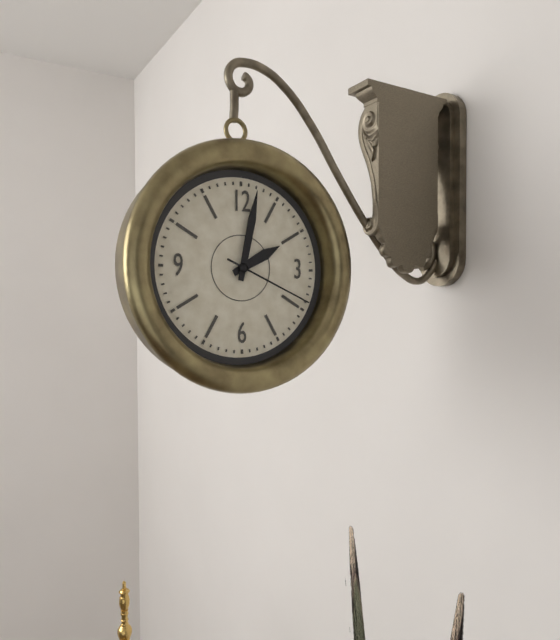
2:02:19
